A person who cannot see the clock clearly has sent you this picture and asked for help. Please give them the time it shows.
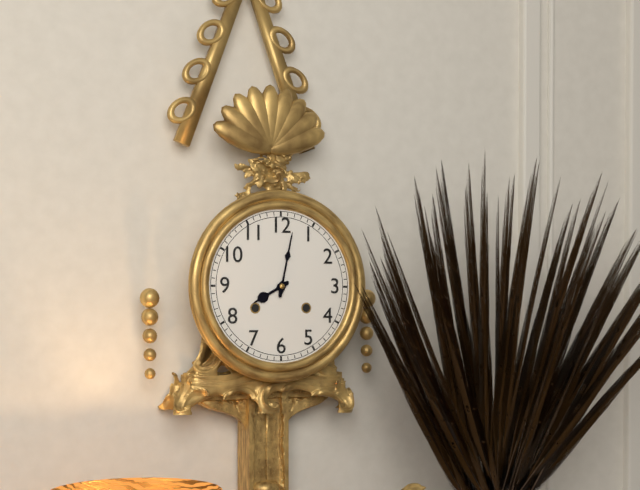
8:02
